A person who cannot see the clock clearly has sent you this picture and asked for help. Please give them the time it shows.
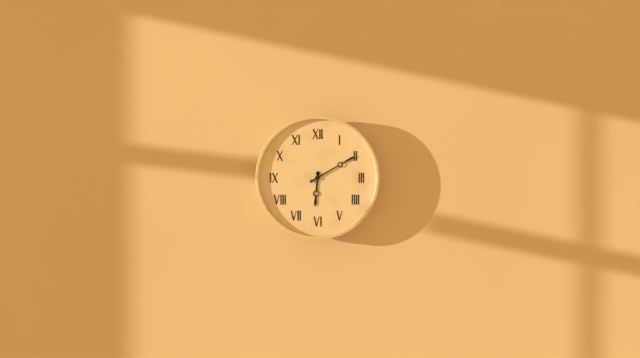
6:10
